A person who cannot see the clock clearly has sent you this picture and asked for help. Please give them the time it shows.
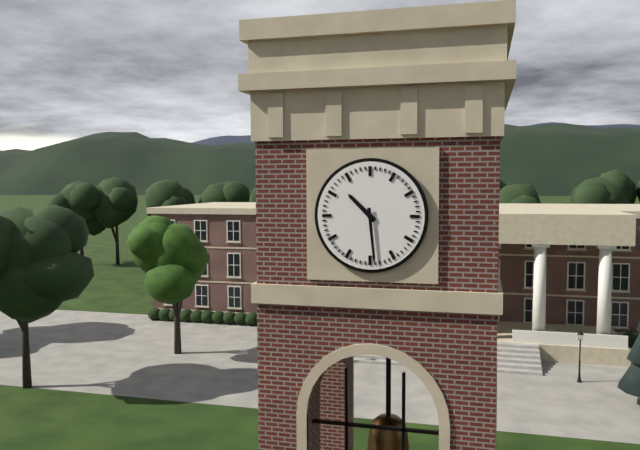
10:29
